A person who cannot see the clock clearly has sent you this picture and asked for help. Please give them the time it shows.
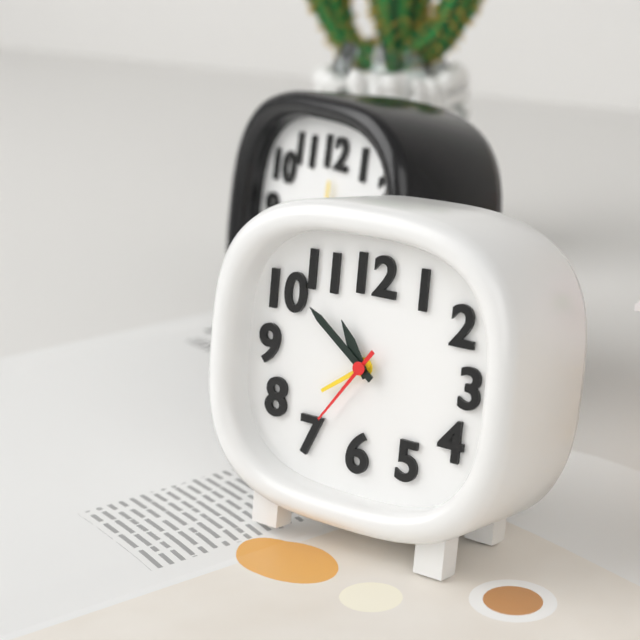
10:51:36
